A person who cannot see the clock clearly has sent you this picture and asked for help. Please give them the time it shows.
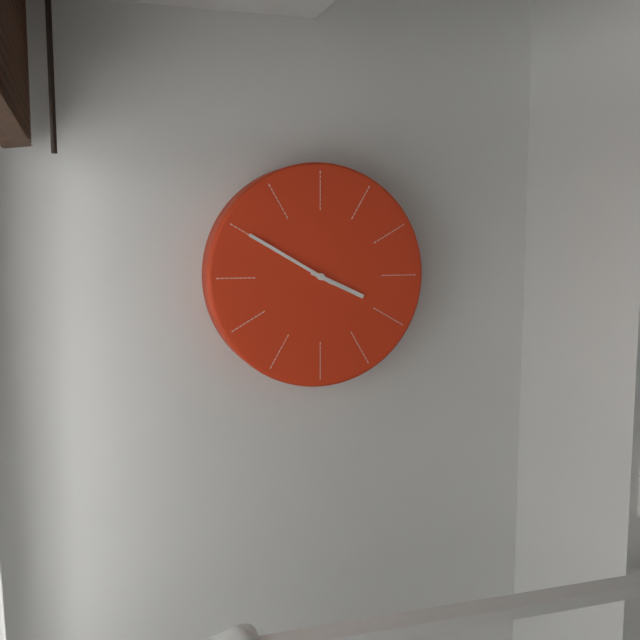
3:50
